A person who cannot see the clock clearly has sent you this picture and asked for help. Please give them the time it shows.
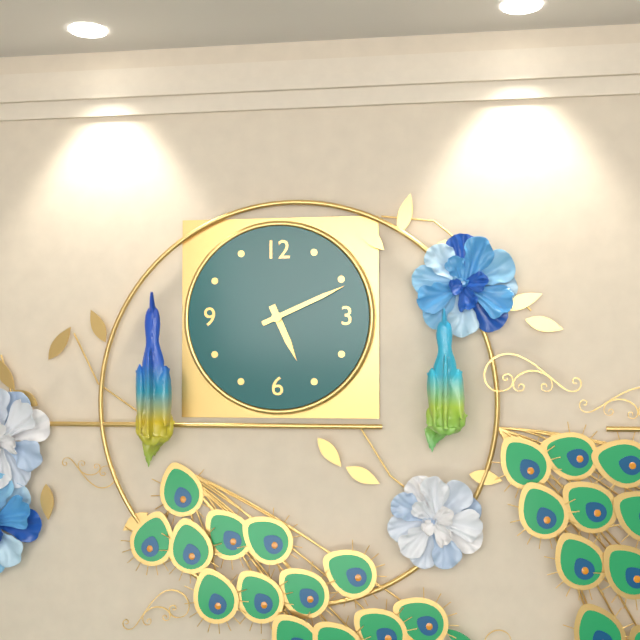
5:11
